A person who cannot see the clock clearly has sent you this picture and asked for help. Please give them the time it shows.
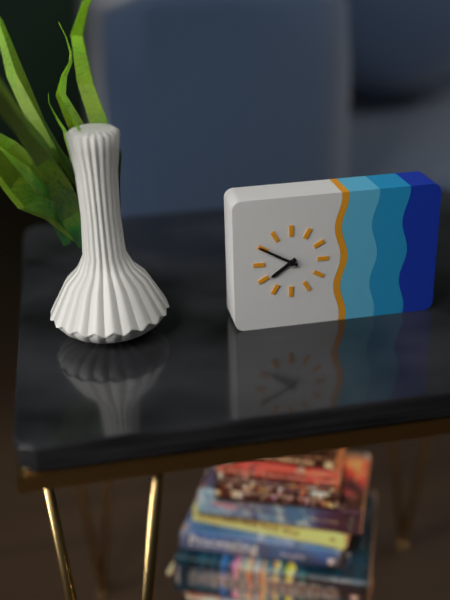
7:50
